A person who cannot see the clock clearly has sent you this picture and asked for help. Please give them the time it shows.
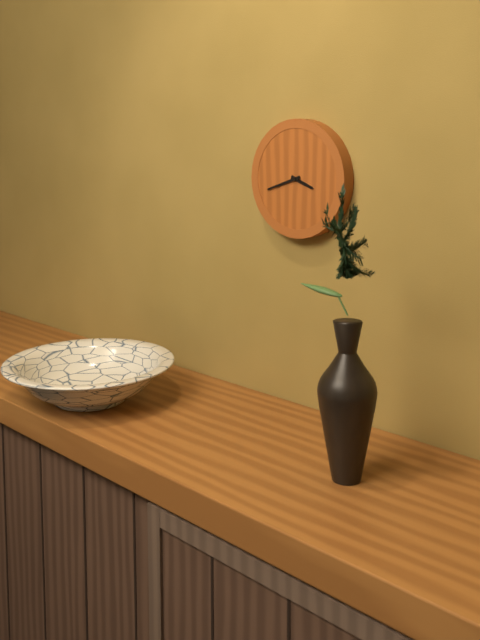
3:42
